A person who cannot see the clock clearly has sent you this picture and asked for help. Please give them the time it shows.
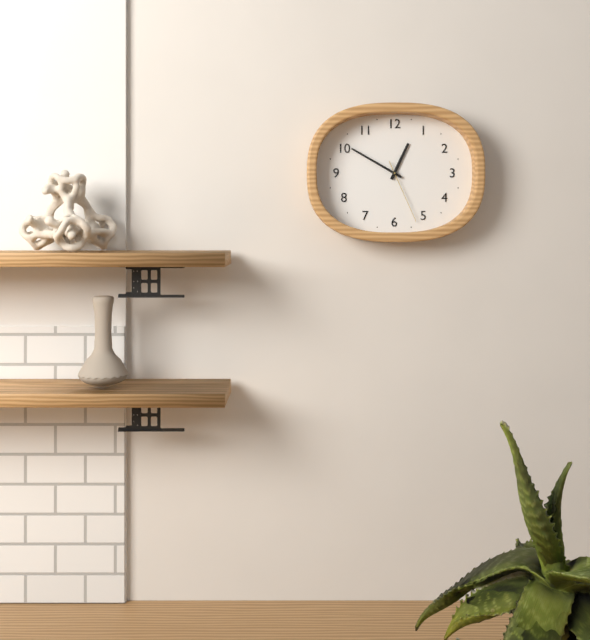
12:50:26
